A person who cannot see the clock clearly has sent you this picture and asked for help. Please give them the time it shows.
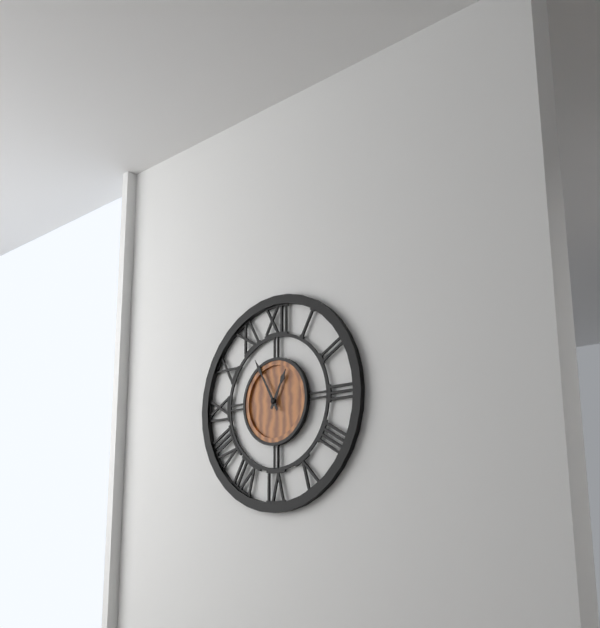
12:55
